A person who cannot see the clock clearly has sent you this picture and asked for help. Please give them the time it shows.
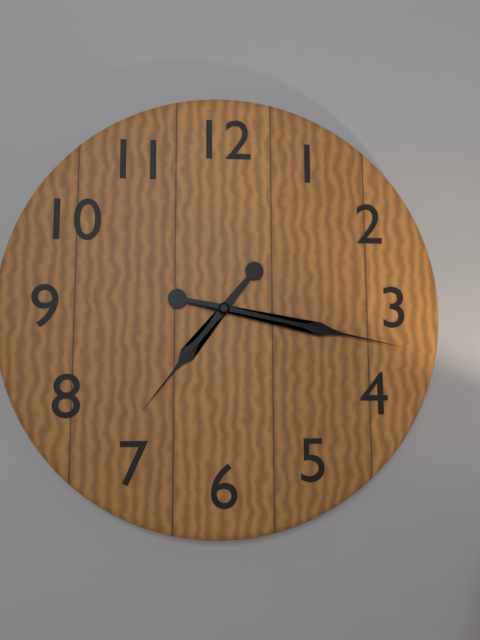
7:17
